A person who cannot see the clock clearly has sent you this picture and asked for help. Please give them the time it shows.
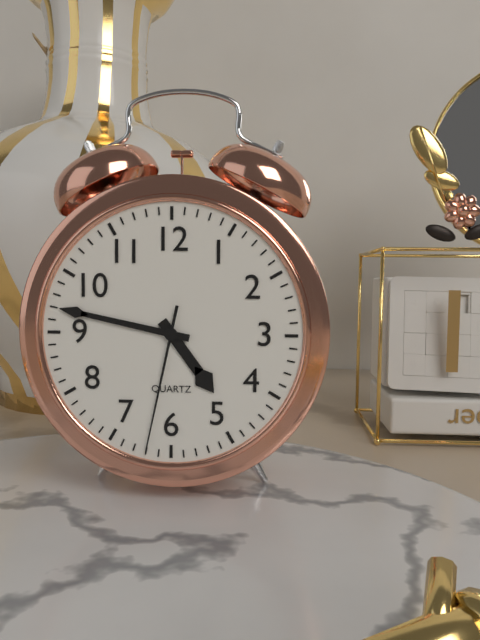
4:47:32
